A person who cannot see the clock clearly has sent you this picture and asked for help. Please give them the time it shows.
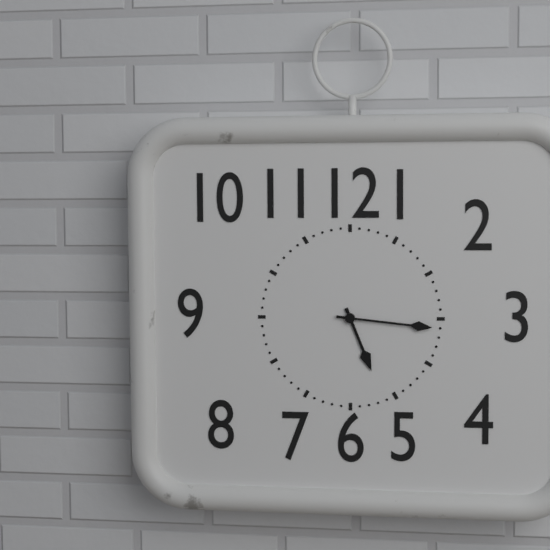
5:16
